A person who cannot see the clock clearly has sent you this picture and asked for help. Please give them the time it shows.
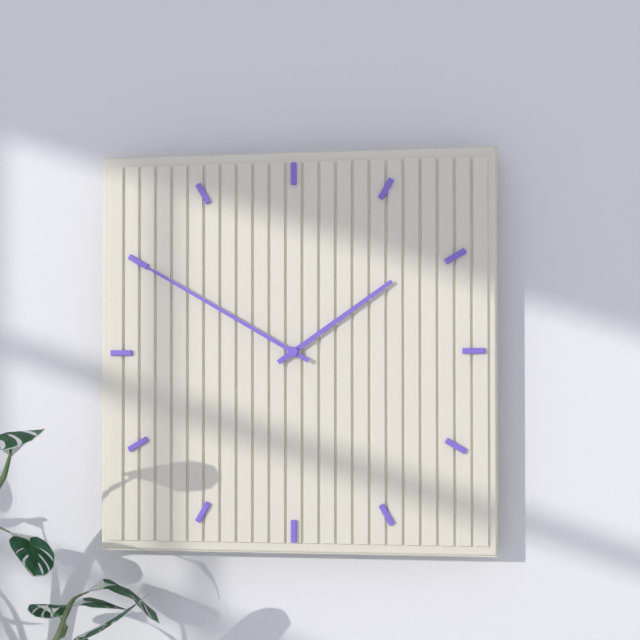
1:50
